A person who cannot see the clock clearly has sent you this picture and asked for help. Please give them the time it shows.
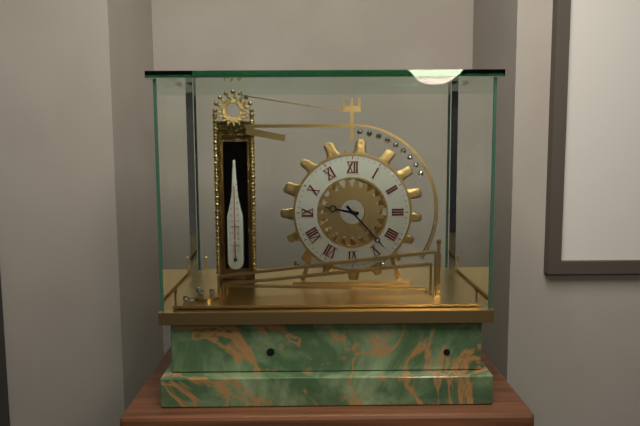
9:23
